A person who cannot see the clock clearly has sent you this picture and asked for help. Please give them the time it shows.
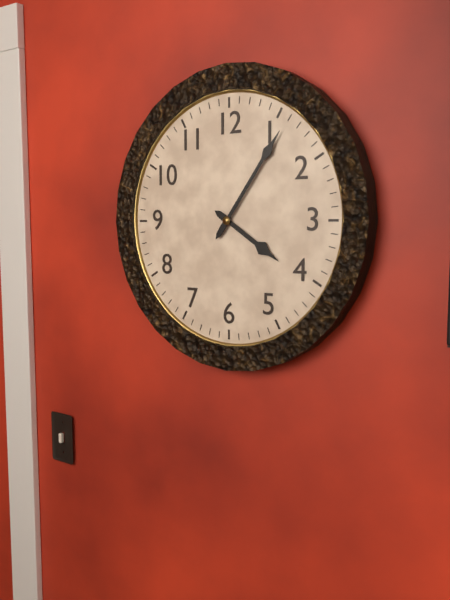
4:06
